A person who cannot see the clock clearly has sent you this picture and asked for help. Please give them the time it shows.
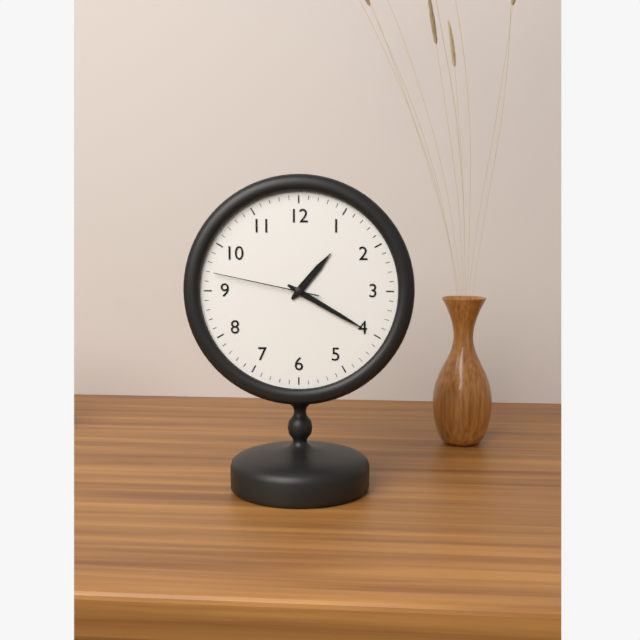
1:20:47
